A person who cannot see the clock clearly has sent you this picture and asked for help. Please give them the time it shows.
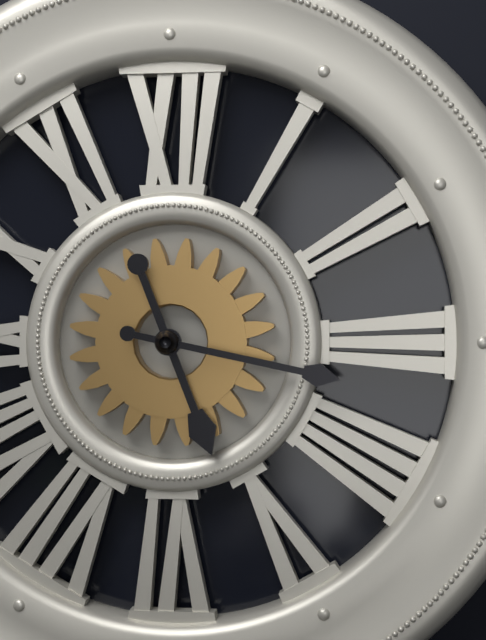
5:17
